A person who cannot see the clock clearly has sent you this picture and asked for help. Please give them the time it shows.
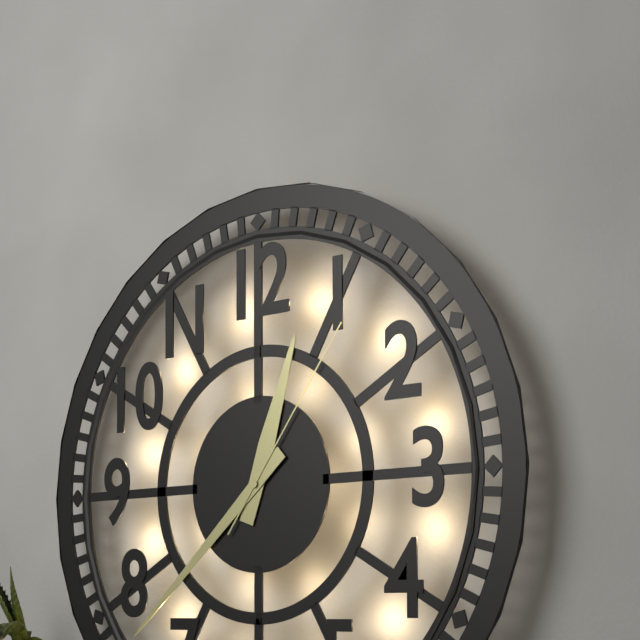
12:38:06
